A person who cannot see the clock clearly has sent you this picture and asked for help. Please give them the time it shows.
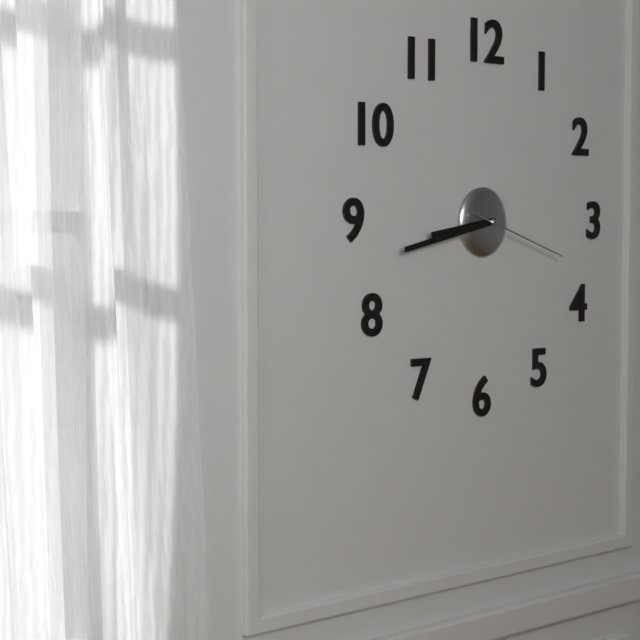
8:43:18
